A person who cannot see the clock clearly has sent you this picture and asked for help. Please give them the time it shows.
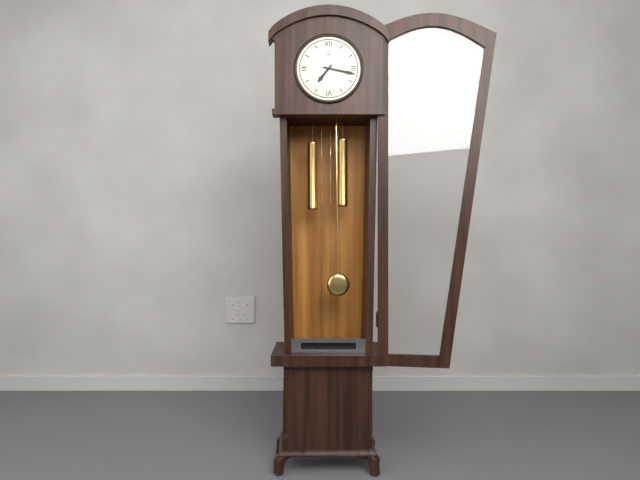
7:17
